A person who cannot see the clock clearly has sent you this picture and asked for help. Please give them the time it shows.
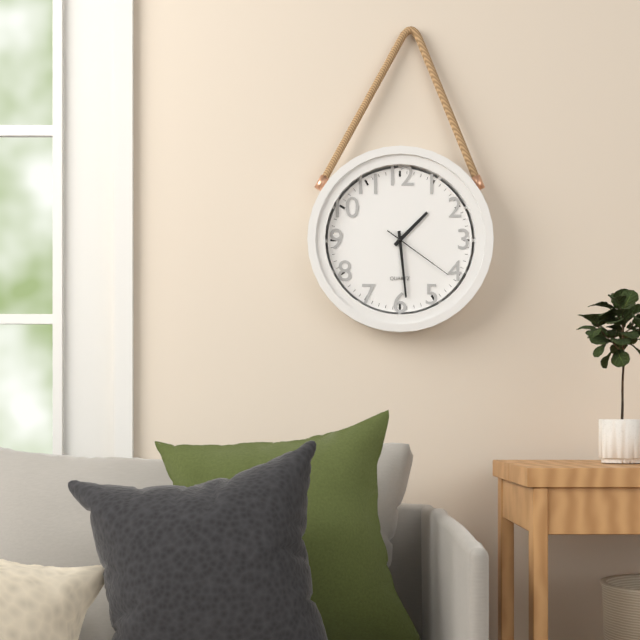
1:29:21
